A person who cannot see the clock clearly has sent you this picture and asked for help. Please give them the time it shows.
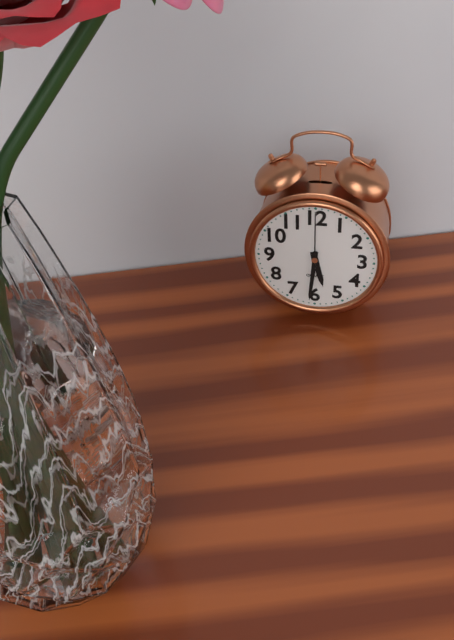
5:31:00
